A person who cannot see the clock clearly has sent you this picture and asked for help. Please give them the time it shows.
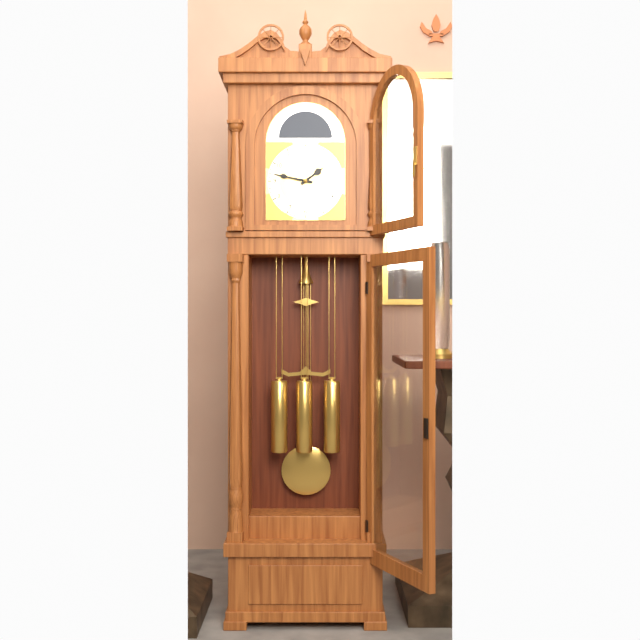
1:47
